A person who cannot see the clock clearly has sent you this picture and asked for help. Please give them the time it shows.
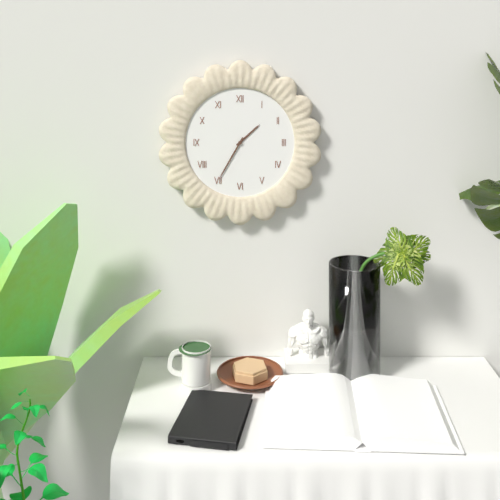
1:35
